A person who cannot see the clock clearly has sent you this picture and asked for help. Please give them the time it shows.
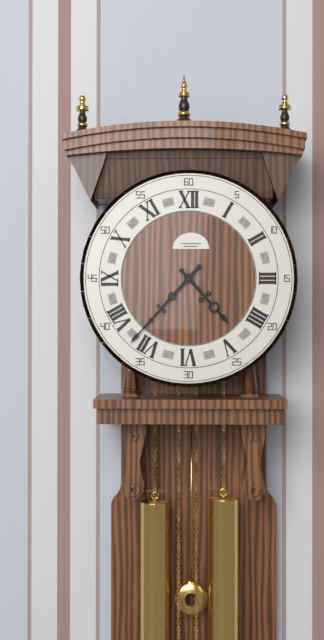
4:37
